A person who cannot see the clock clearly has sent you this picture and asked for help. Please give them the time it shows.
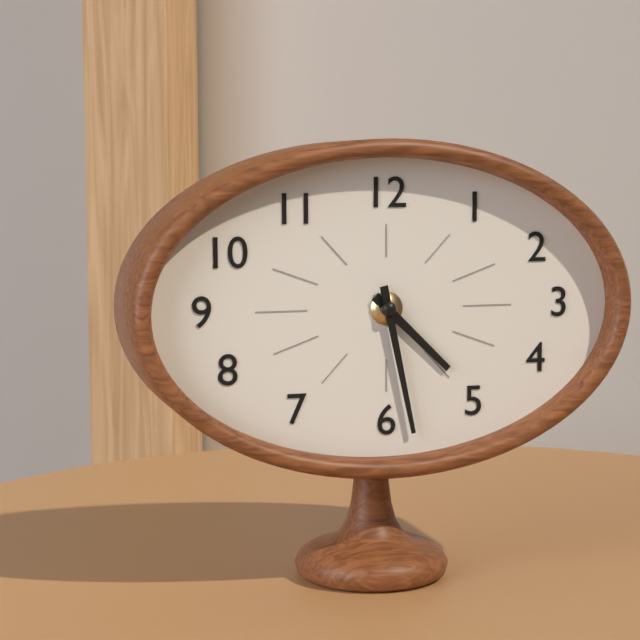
4:28
